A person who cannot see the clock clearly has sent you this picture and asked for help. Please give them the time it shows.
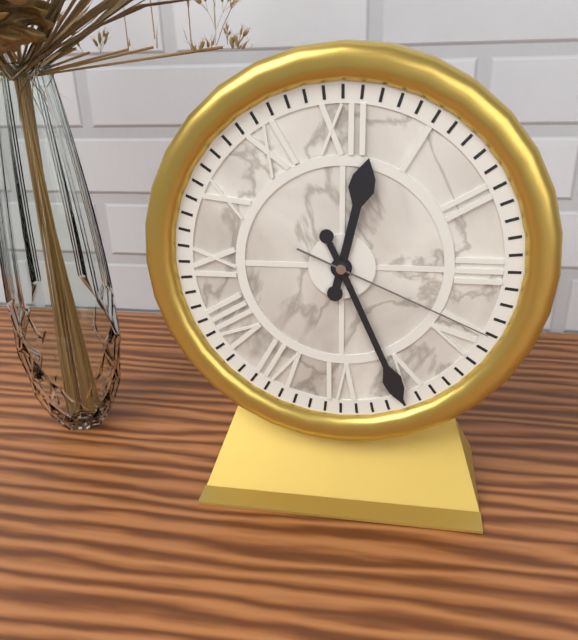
12:26:19
